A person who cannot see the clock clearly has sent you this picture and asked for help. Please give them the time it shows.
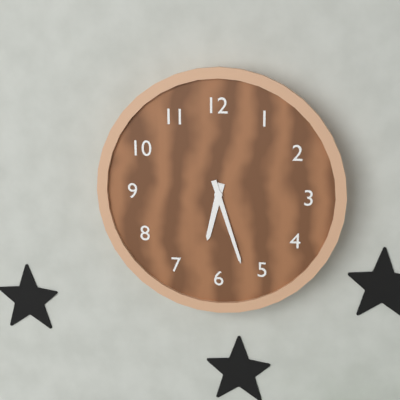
6:27
